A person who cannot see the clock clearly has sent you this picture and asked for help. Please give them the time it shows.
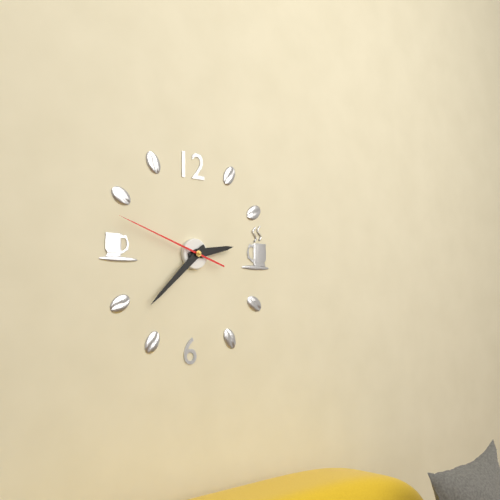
2:38:48
